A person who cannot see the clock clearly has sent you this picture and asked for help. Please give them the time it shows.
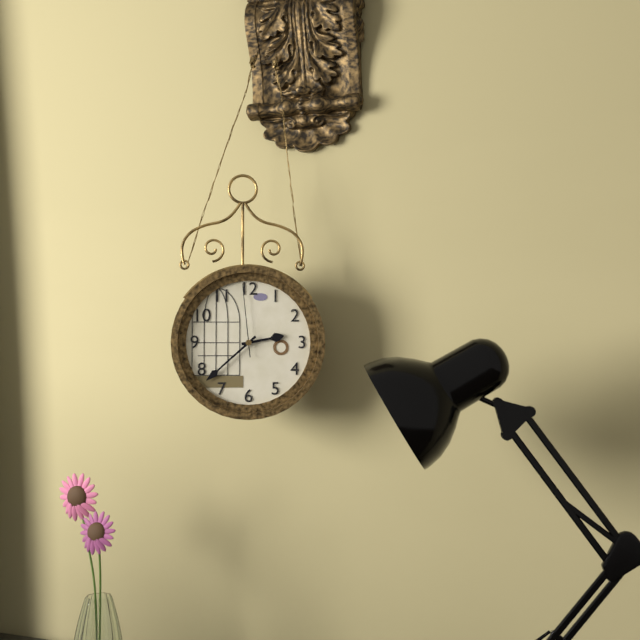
2:38:59
